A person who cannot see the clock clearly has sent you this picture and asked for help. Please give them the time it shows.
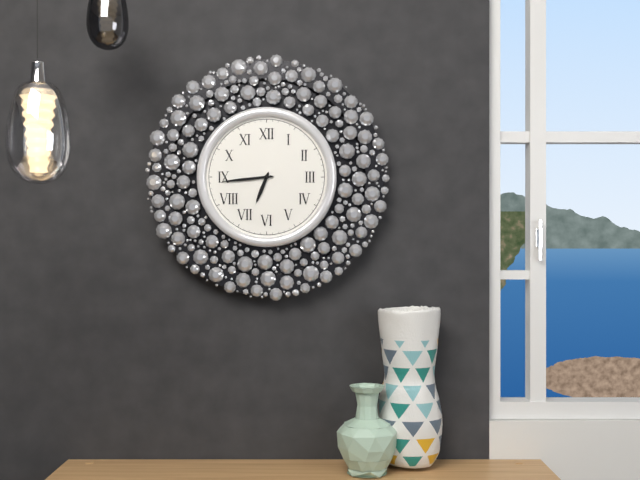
6:44
